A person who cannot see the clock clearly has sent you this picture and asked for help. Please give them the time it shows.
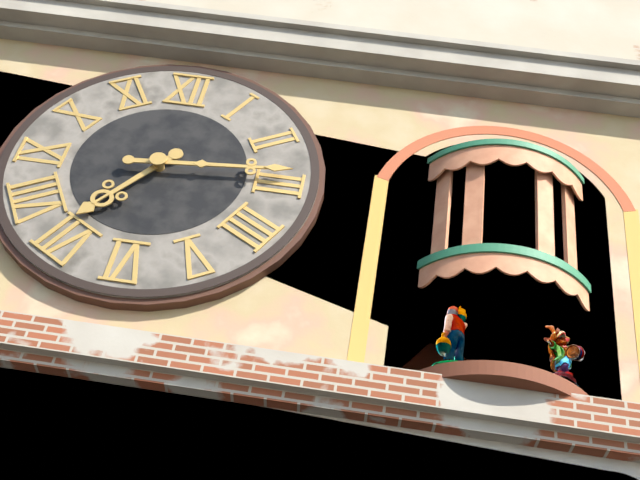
7:14
